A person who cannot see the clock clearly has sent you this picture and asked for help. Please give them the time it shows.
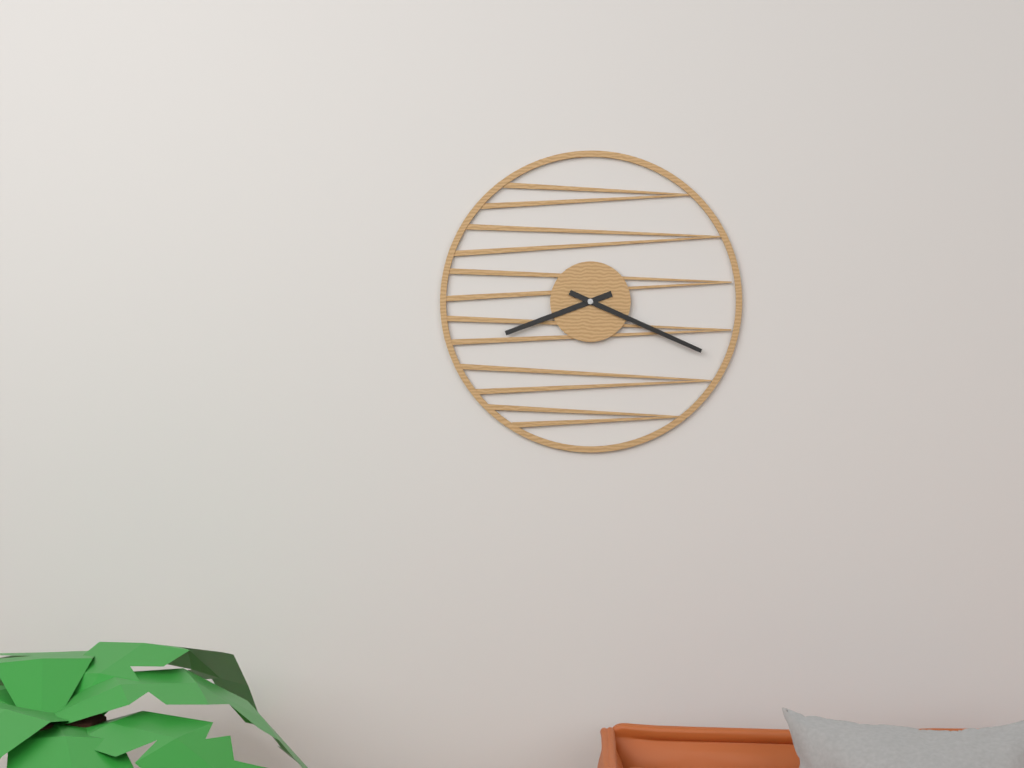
8:19
